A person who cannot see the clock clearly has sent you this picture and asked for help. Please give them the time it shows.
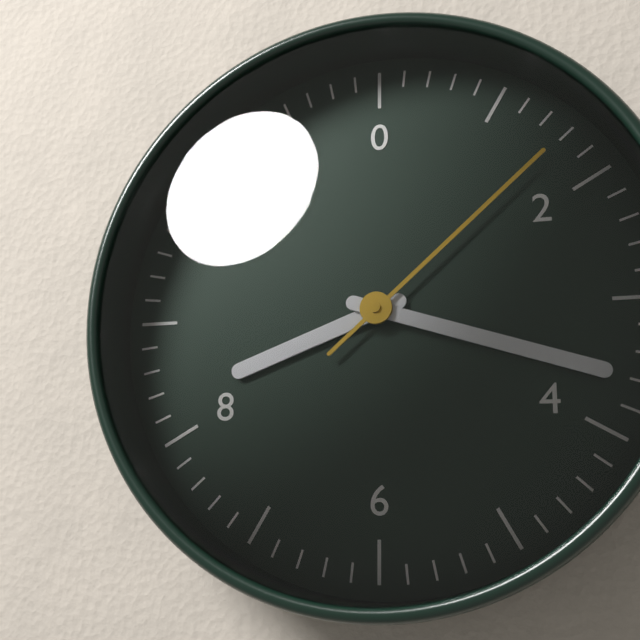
8:18:08
